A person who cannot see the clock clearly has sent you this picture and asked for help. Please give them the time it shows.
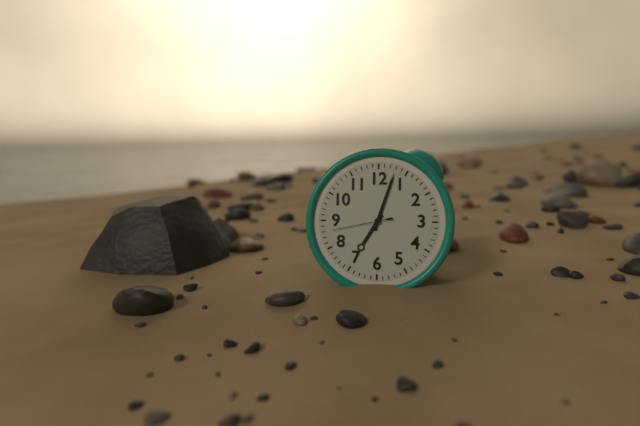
7:03:43
